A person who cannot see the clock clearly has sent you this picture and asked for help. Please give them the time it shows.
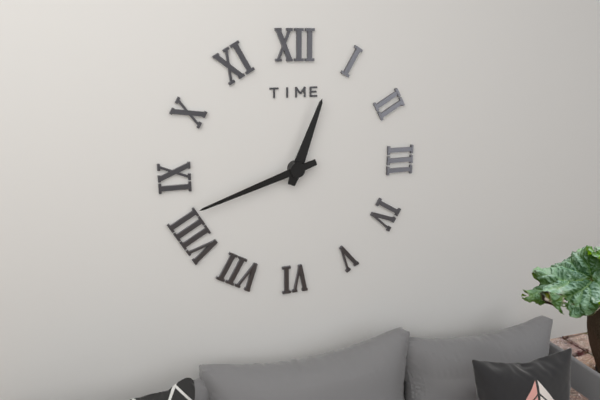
12:42
